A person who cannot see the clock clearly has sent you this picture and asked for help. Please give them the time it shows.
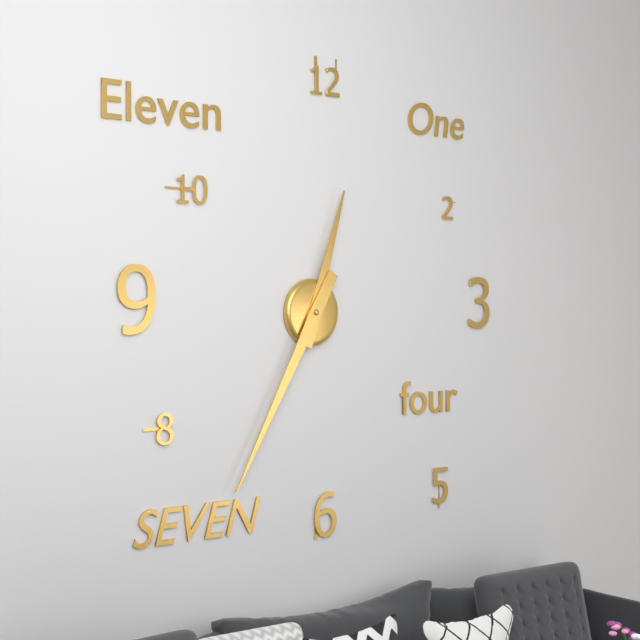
12:35
